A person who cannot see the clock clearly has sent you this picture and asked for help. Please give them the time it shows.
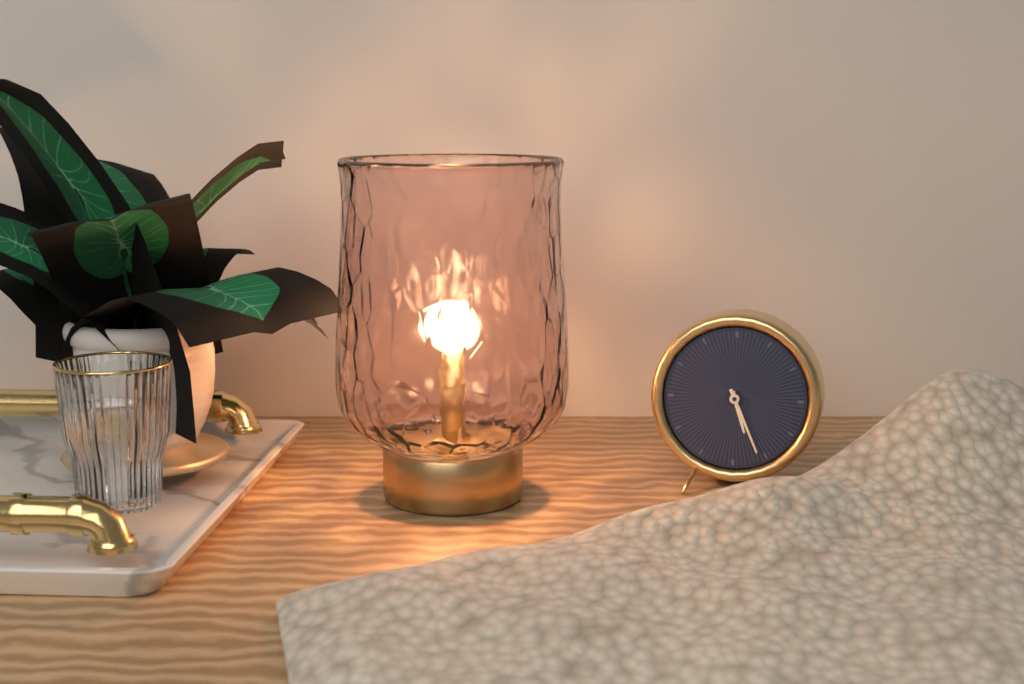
5:26
